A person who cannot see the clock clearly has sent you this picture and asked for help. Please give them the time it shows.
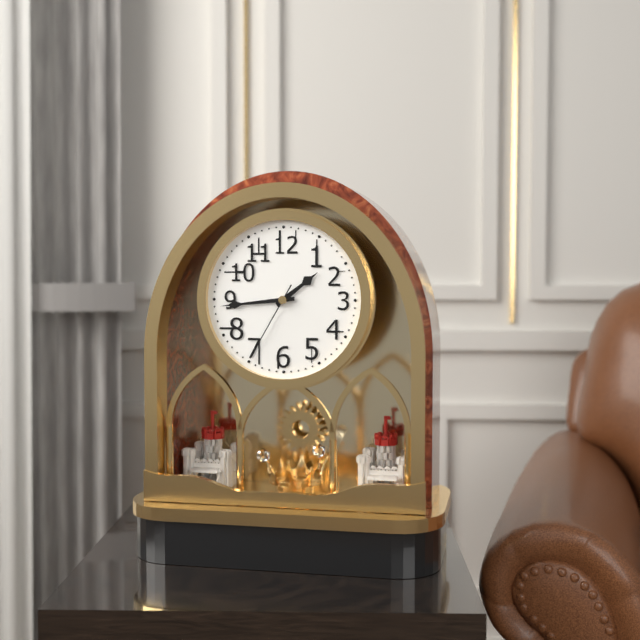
1:44:35
